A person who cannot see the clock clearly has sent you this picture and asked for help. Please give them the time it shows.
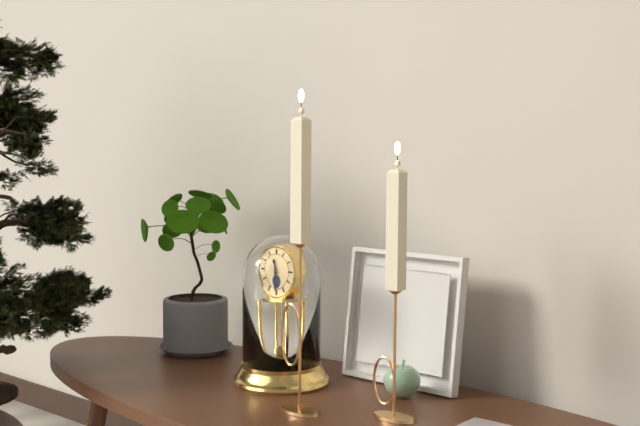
11:30
